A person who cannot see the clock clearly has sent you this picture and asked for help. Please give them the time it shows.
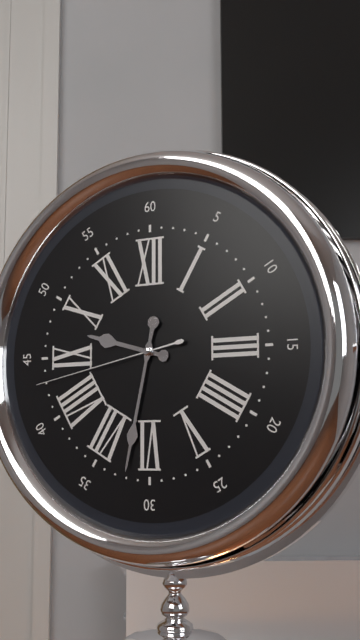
9:32:43
